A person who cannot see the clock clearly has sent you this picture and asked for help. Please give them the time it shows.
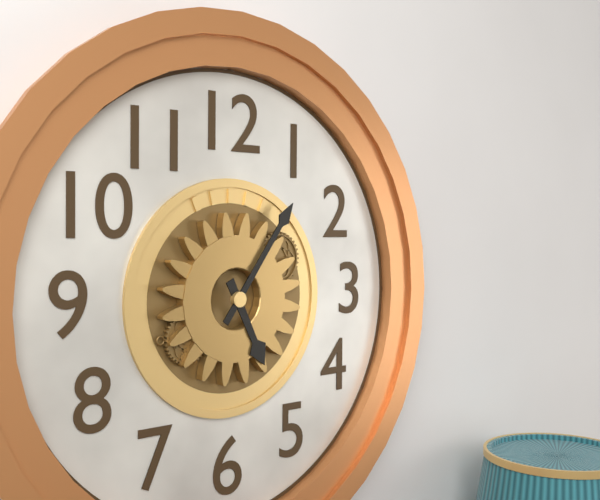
5:06
